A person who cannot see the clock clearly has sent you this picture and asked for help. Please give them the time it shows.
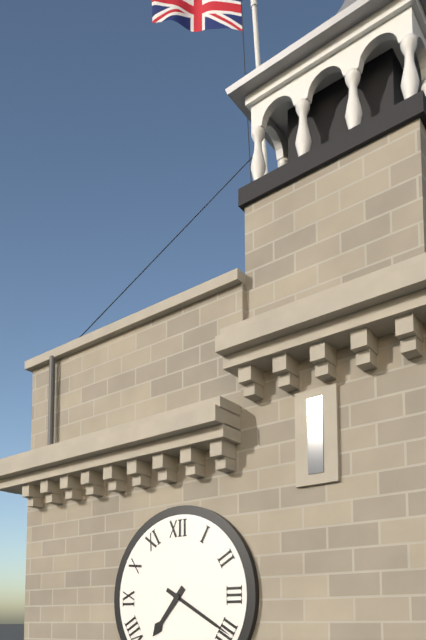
7:20
